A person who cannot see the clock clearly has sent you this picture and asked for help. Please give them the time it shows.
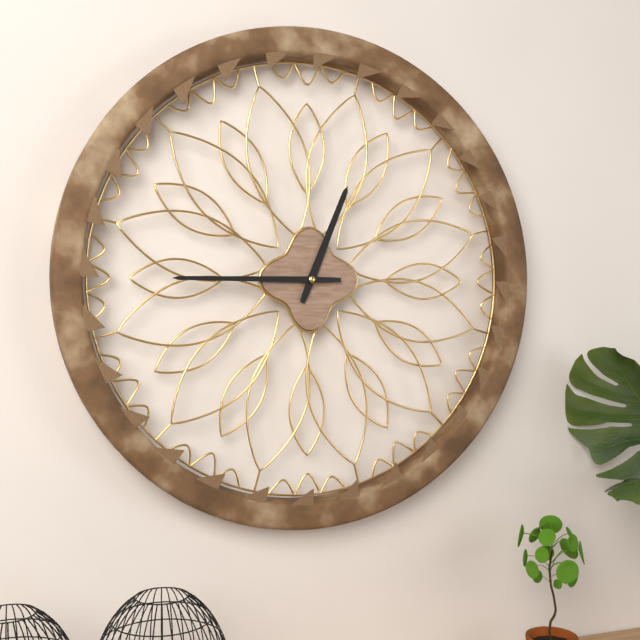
12:45
